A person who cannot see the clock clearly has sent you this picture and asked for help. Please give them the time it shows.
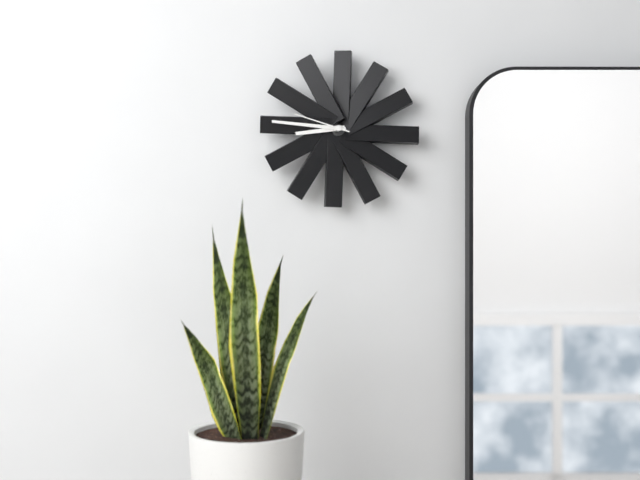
8:46:48
